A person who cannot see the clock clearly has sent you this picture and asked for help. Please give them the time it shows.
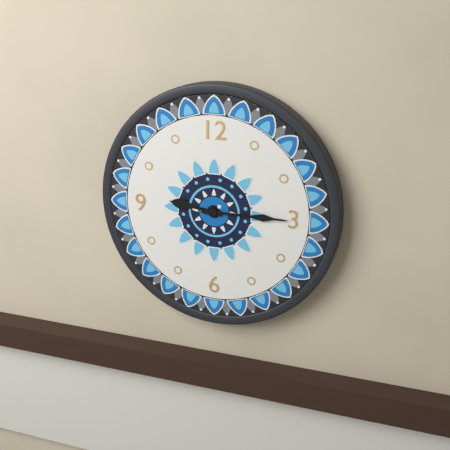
9:15
